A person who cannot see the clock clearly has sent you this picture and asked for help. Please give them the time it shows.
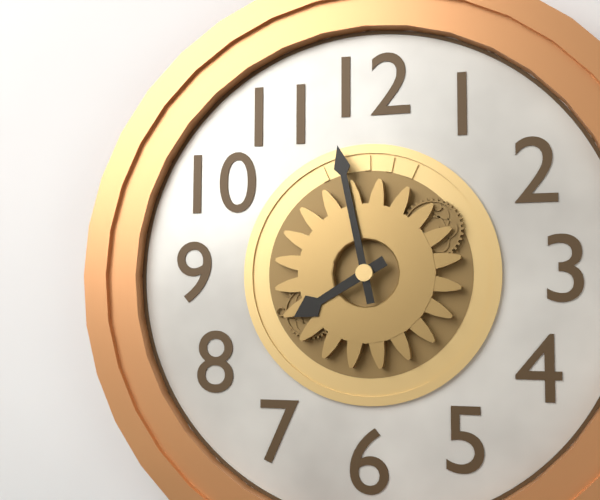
7:58
